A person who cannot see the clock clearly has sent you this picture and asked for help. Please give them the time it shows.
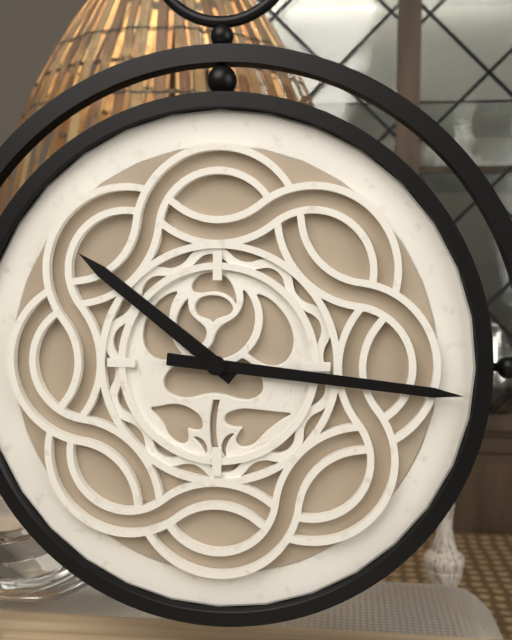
10:16
